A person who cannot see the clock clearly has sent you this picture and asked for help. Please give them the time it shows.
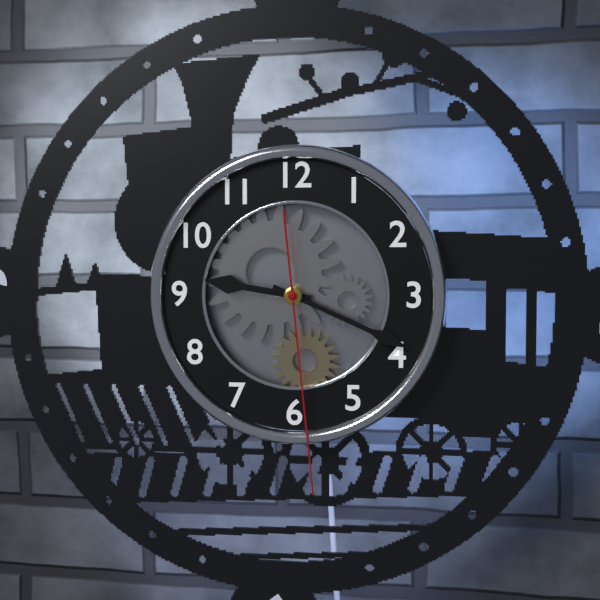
9:19:29
